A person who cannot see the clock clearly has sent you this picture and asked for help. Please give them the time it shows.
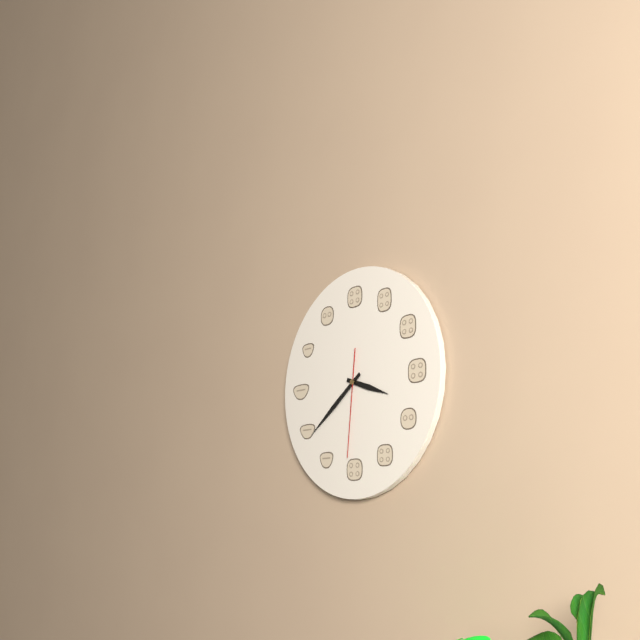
3:39:31
